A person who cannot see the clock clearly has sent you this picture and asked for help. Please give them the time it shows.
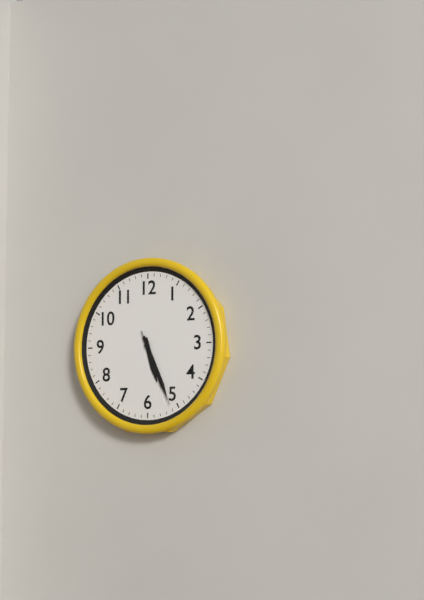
5:26:26
